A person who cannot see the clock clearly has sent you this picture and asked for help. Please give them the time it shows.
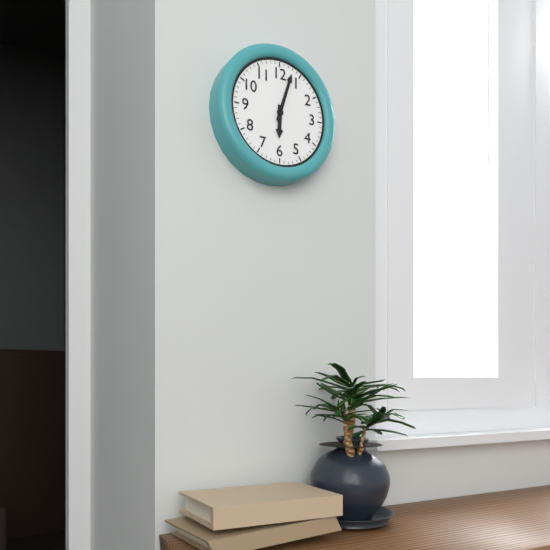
6:03
